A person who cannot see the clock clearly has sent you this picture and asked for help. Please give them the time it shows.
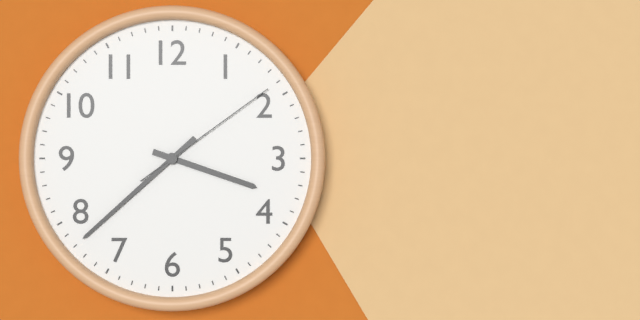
3:38:09
